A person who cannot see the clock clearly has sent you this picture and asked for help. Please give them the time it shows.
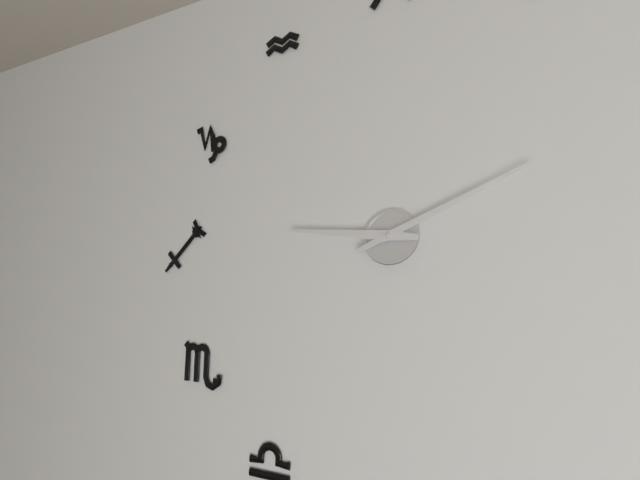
9:11
